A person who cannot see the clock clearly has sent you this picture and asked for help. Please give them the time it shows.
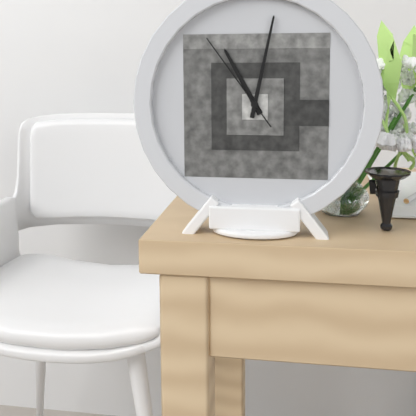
11:02:54
